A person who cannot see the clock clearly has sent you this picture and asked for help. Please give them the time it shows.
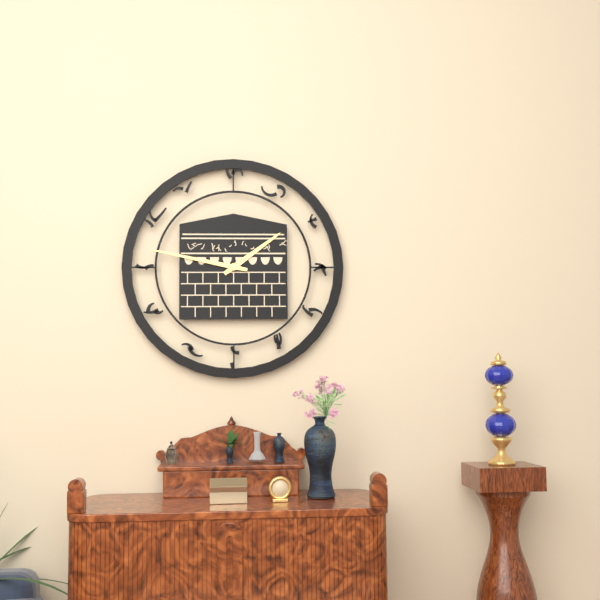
1:47
